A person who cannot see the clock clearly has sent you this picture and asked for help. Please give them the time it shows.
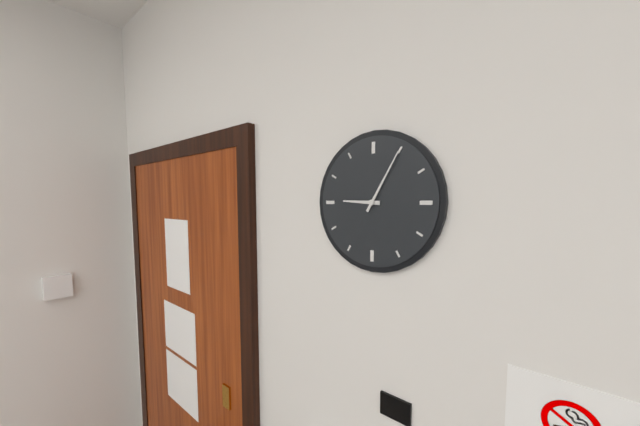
9:05
